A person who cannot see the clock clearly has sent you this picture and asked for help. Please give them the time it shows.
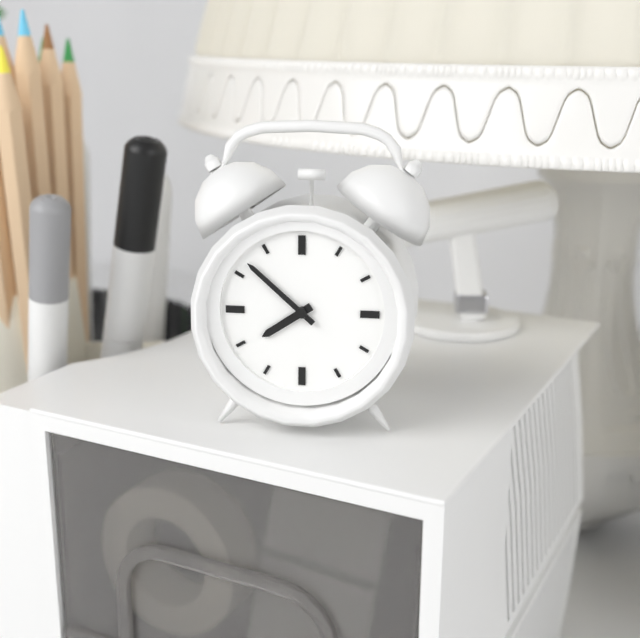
7:52
